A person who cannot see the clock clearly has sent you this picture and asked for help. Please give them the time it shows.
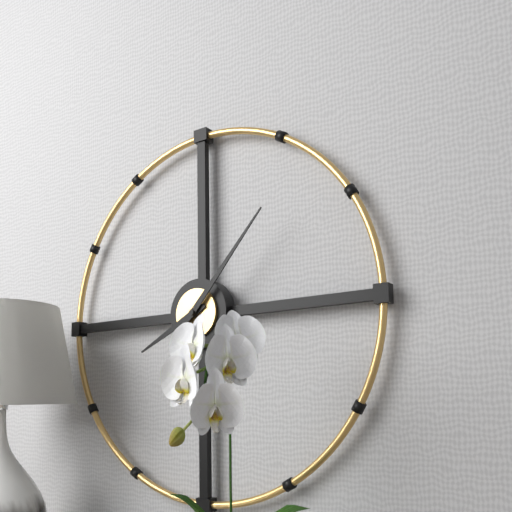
8:07
